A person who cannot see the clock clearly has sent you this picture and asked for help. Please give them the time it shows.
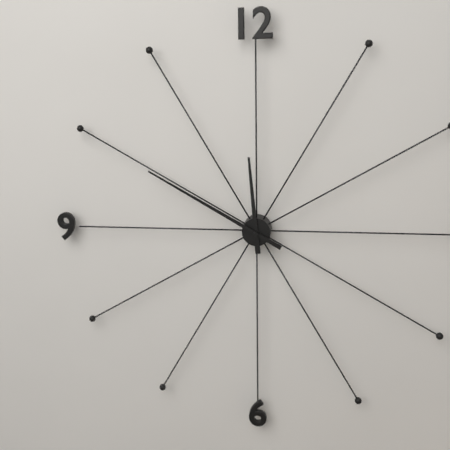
11:50
